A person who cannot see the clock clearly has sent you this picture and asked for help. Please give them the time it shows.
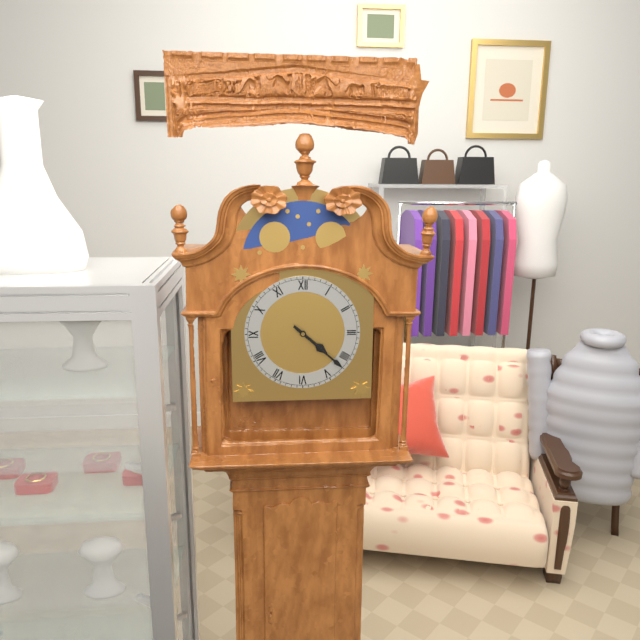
4:22
